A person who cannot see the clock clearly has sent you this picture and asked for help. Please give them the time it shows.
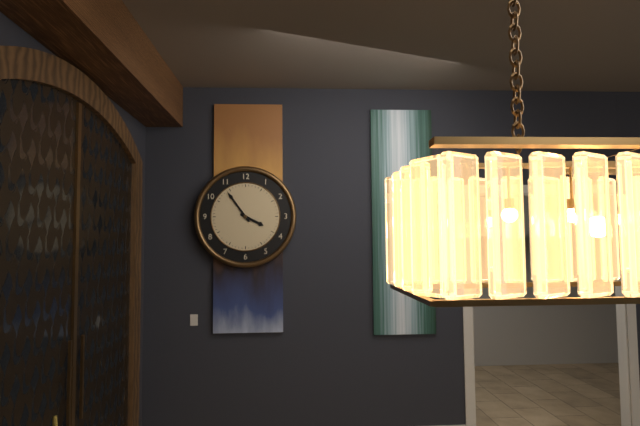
3:54
